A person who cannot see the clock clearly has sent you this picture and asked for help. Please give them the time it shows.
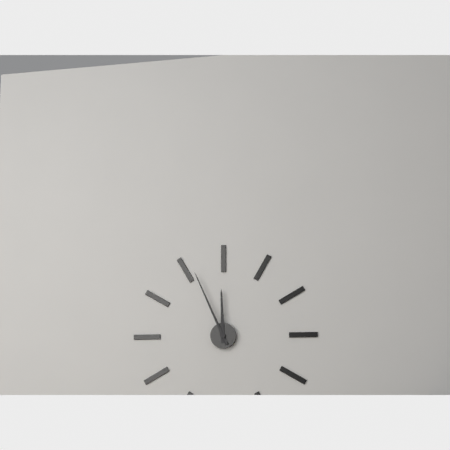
11:56
